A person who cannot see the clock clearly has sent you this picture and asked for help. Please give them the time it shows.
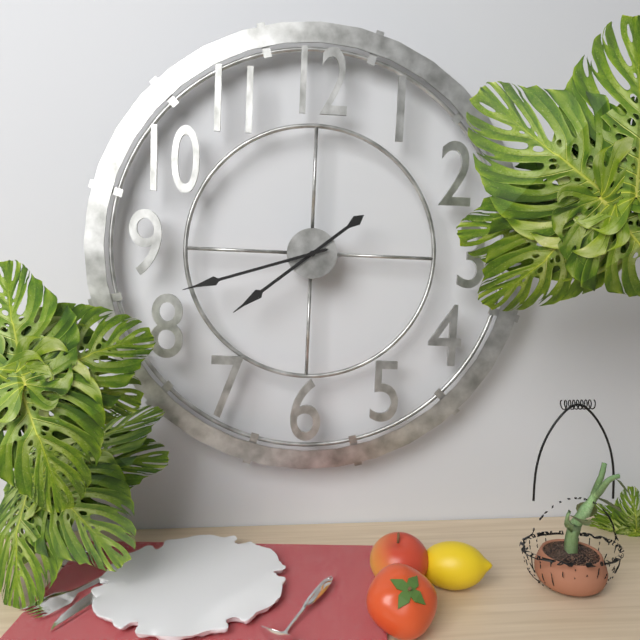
7:42
